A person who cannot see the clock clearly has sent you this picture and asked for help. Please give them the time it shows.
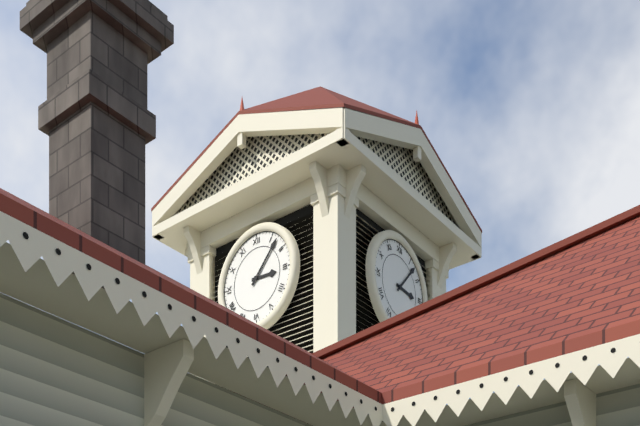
3:07
